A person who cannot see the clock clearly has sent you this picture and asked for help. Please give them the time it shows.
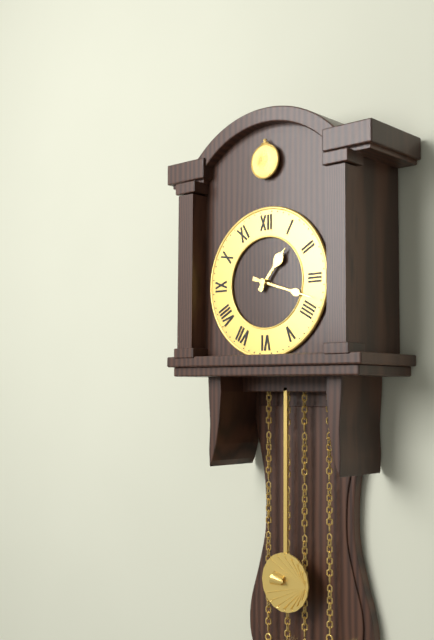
1:18
